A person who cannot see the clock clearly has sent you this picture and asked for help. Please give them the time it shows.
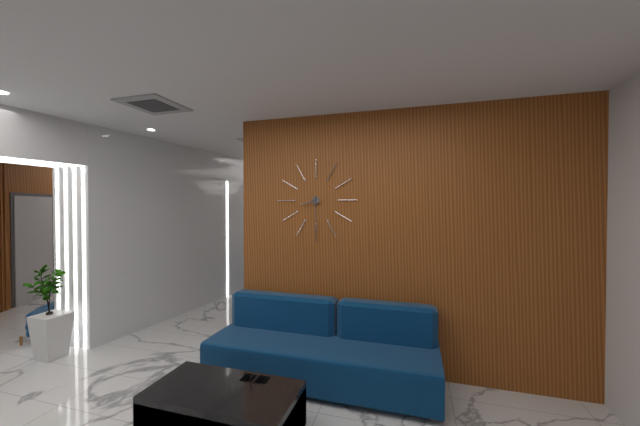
8:30
